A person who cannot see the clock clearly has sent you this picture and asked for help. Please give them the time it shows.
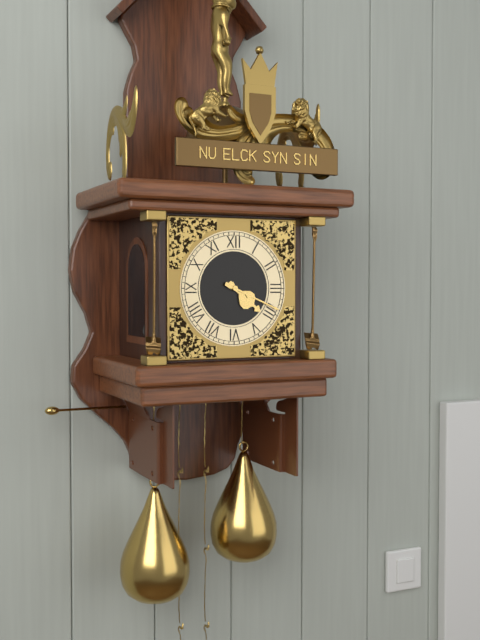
4:19
